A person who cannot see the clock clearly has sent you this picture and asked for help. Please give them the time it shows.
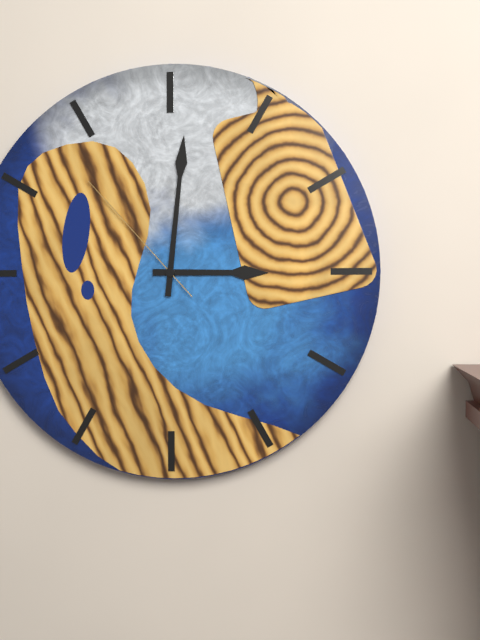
3:01:53
